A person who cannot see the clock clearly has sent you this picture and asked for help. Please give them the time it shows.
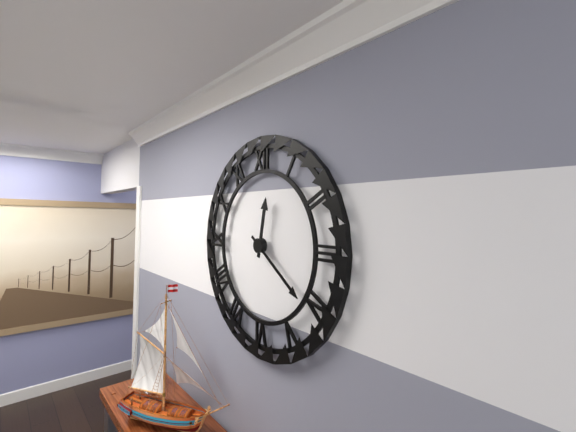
12:21
